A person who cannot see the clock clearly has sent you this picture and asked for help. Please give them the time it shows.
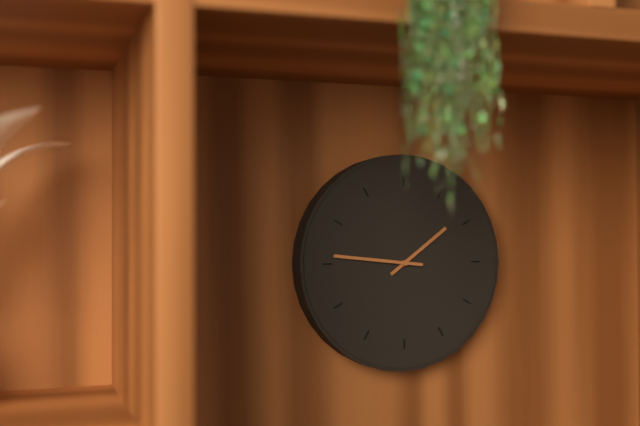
1:46
